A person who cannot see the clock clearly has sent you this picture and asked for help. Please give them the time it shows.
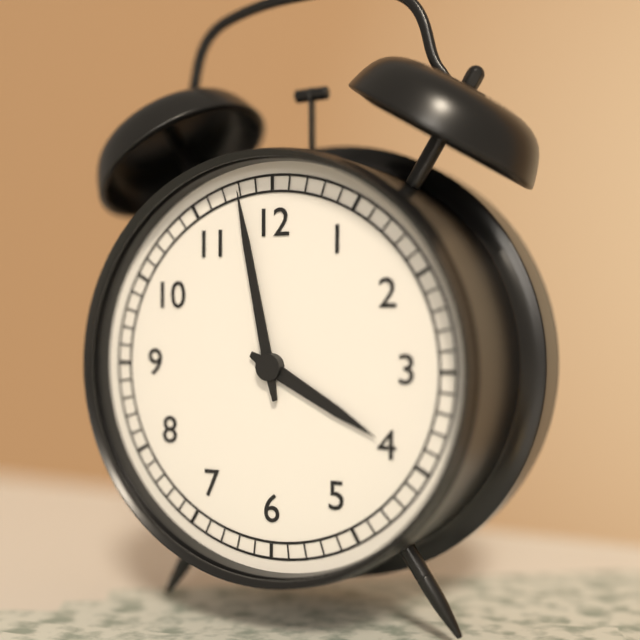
3:58
